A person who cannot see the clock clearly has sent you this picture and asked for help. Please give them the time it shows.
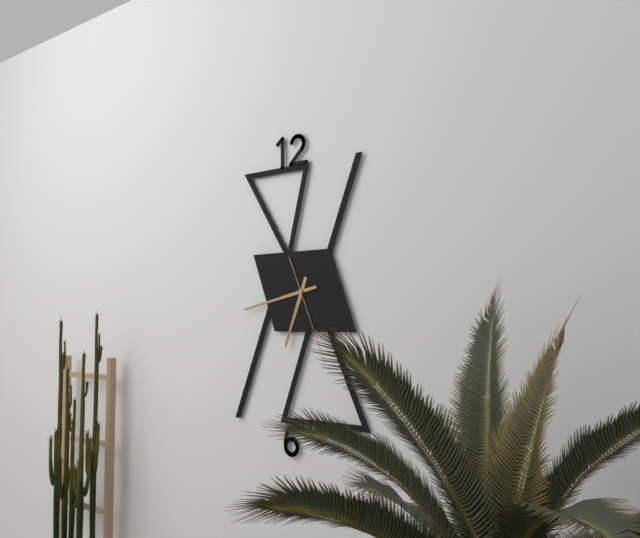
6:43:26
